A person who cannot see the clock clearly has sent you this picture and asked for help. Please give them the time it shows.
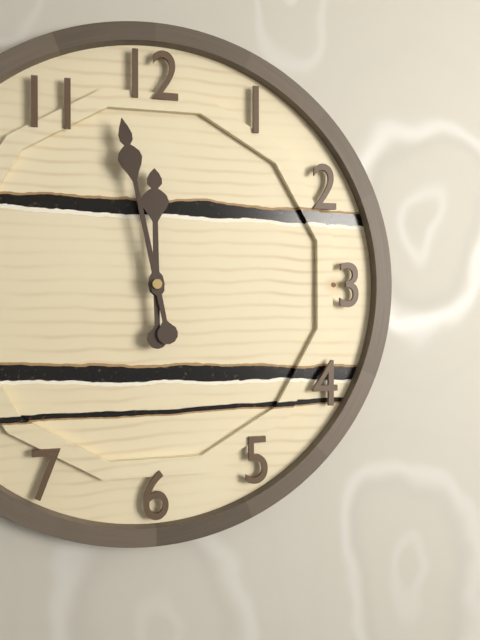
11:58
